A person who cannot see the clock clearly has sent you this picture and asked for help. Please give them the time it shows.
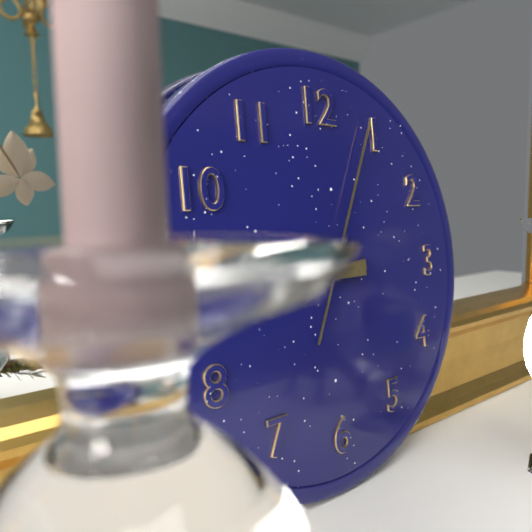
8:45:04
